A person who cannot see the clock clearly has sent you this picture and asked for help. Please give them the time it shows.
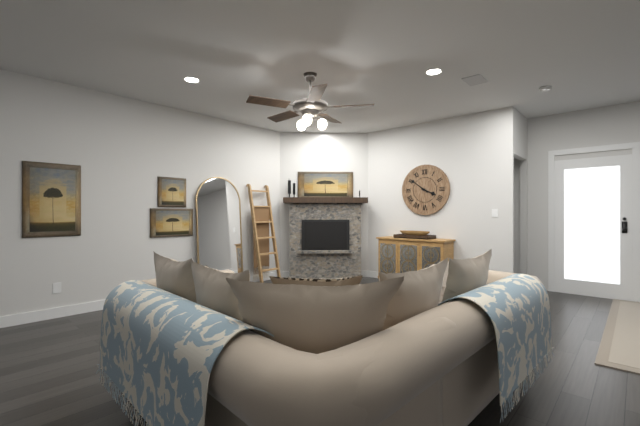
3:51
